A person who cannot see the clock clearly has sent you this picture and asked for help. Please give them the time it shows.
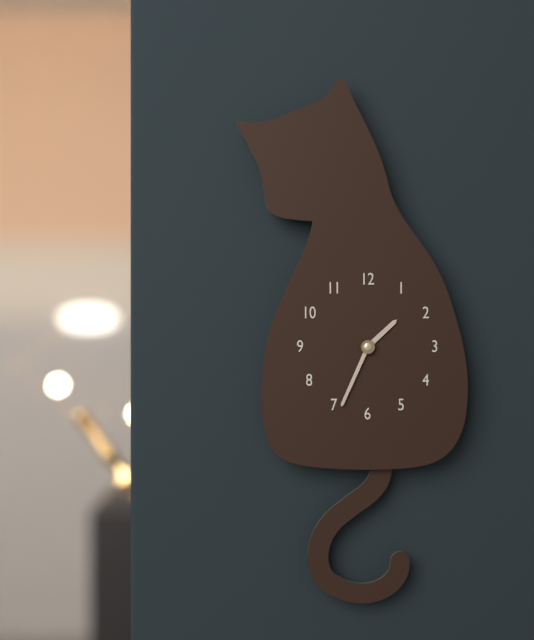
1:34
